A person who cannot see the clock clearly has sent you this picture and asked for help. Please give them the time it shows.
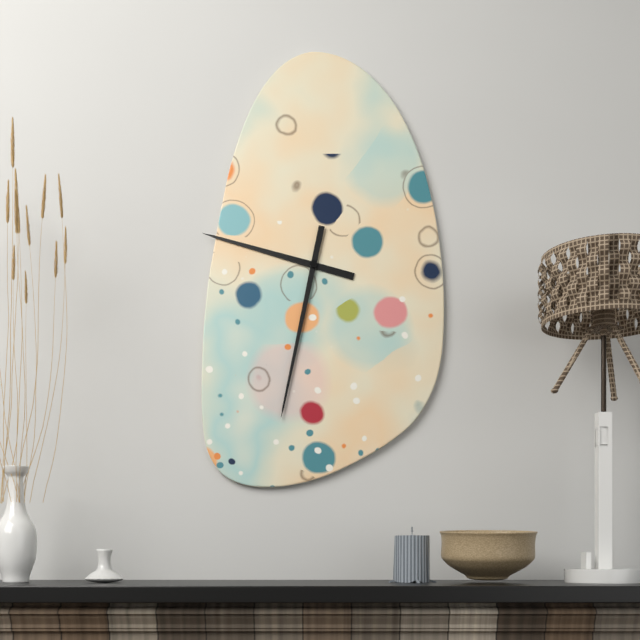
9:32
